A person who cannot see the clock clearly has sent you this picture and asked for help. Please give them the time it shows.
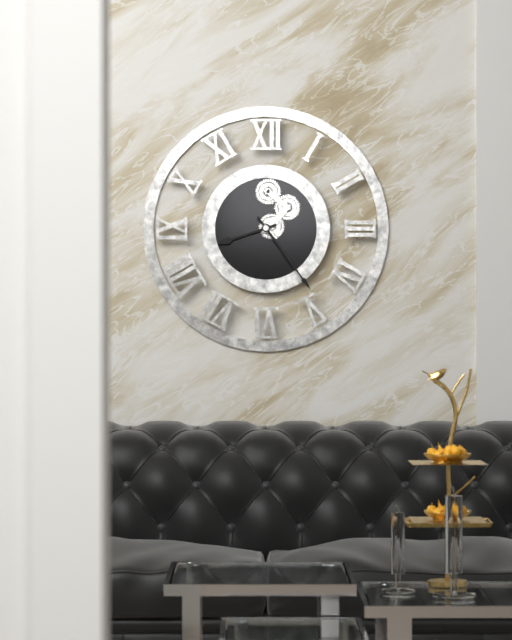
8:24
